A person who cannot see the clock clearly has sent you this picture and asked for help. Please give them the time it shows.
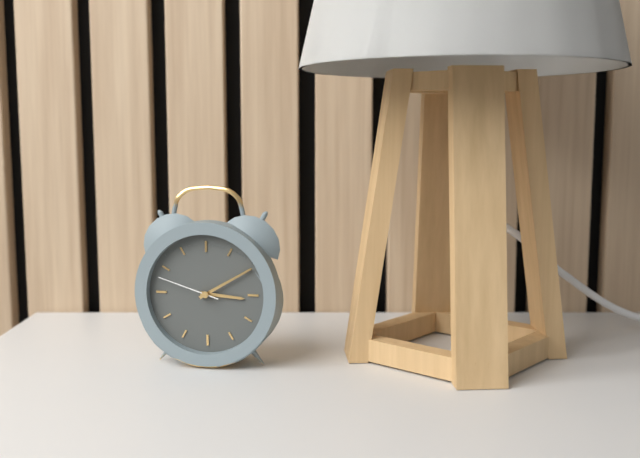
3:10:48
